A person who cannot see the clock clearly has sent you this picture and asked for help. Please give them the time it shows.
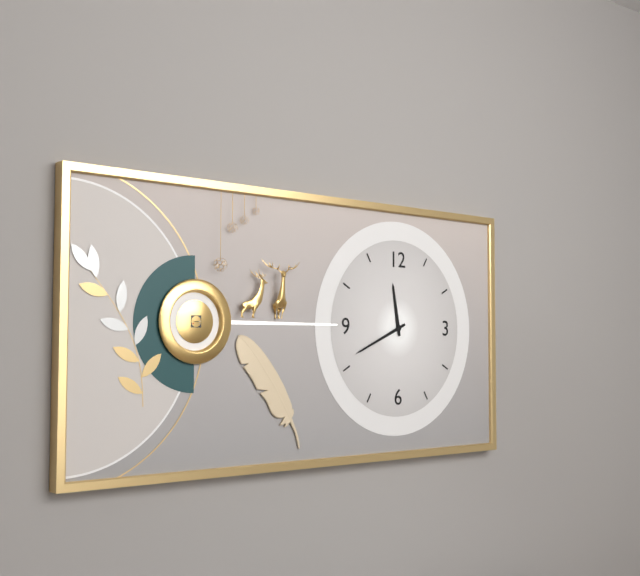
11:41
